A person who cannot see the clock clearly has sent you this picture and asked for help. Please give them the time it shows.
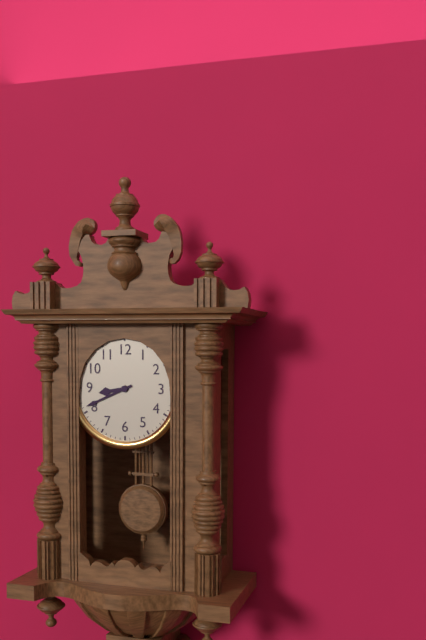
8:41
